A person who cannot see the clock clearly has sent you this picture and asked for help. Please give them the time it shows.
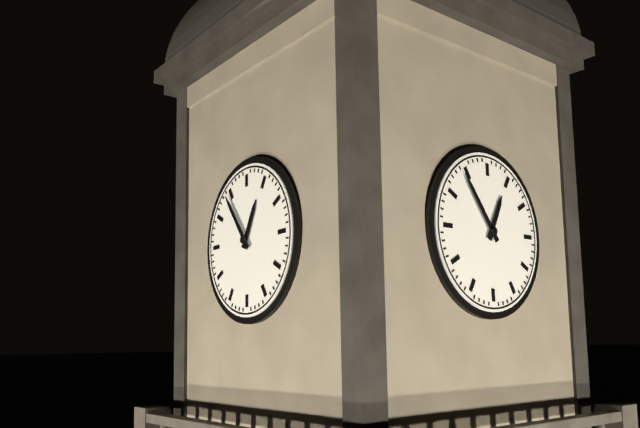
12:54
